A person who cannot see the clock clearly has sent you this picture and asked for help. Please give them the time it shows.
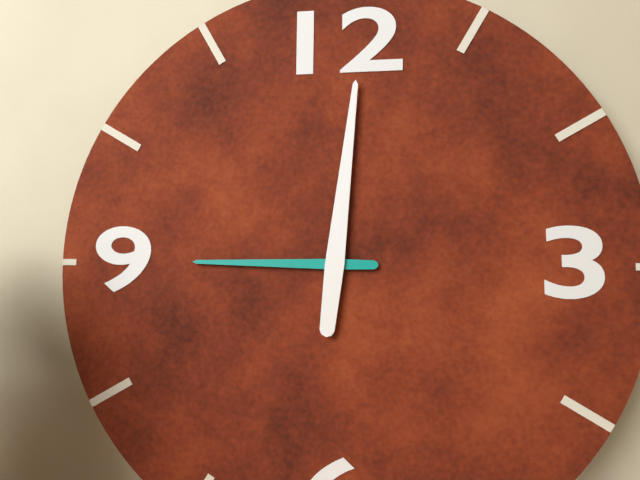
9:01
